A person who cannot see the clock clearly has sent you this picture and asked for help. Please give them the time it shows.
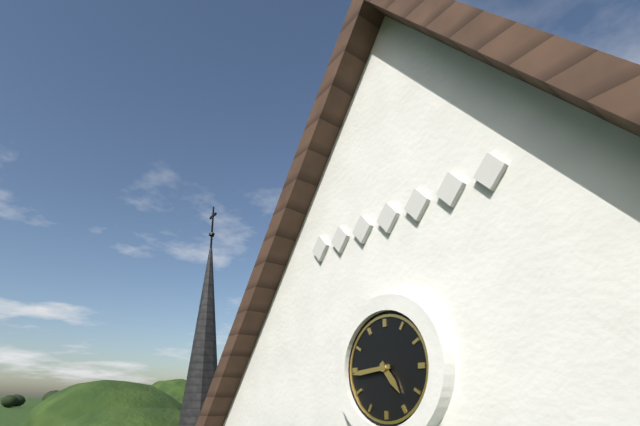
4:44
